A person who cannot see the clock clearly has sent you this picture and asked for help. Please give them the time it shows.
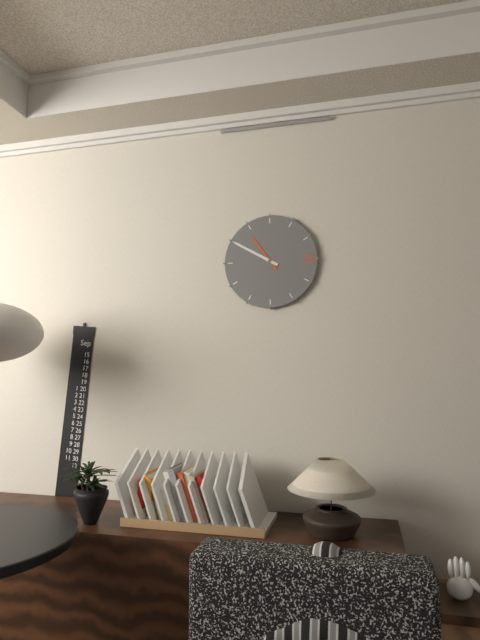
10:50
